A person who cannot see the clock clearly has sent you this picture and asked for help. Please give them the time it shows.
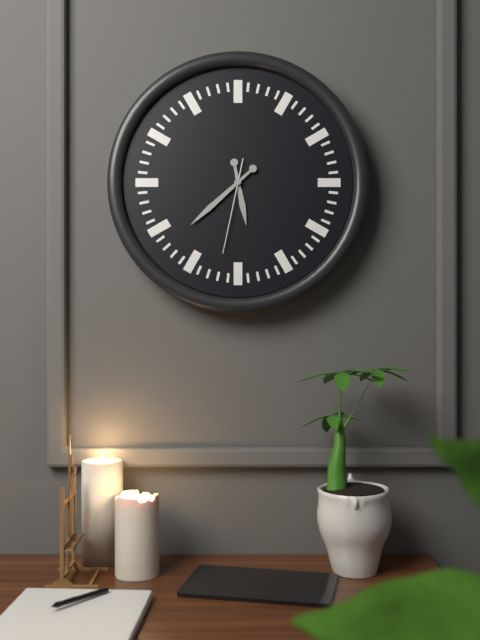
5:38:32
